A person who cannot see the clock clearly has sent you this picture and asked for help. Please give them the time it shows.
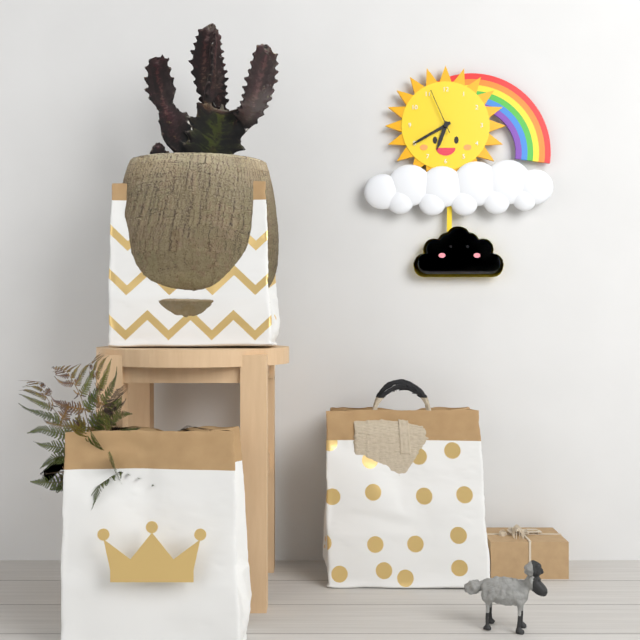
6:40
